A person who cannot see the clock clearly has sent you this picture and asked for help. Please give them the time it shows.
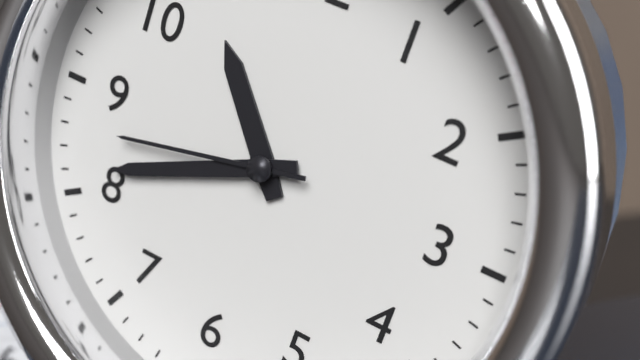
10:41:43
